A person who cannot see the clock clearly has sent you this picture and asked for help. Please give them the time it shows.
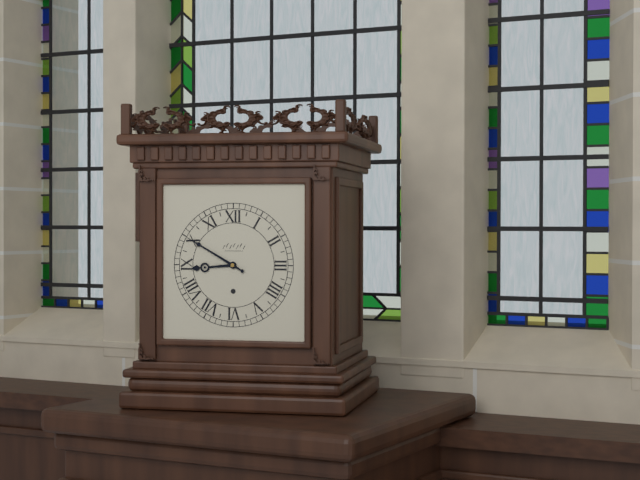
8:50
